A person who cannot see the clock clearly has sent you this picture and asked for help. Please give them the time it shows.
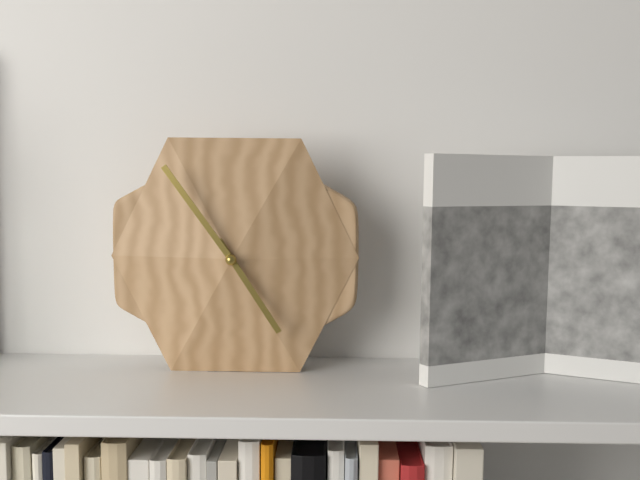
4:54
